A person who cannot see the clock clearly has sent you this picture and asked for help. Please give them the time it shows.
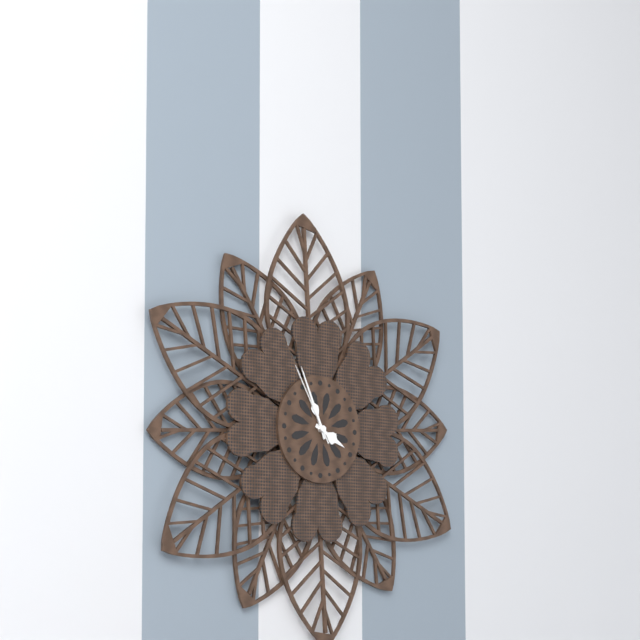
3:56:55
